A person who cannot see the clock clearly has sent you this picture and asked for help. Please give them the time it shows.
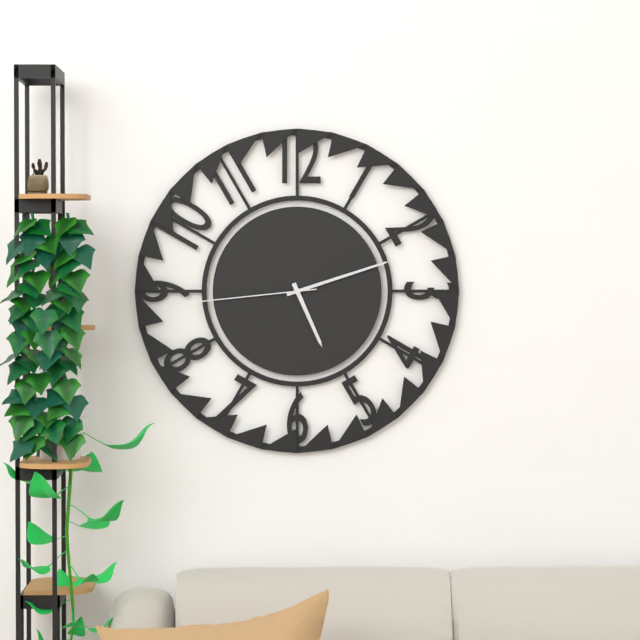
5:12:44
